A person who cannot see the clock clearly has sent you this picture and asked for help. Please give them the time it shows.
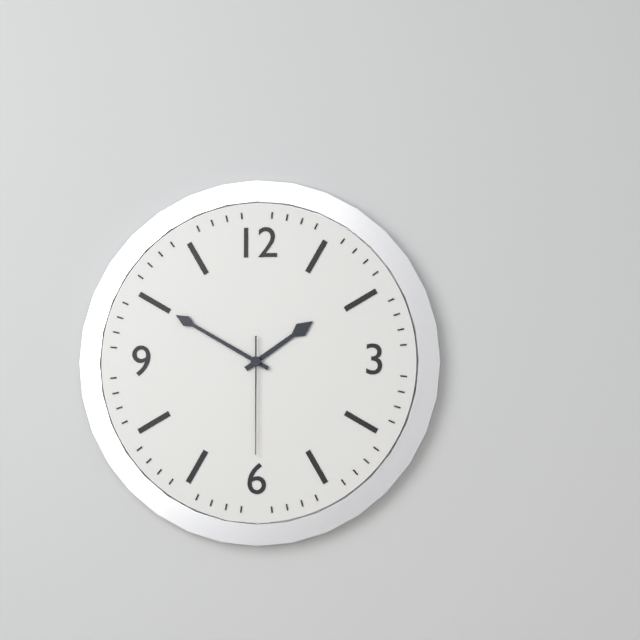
1:50:30
